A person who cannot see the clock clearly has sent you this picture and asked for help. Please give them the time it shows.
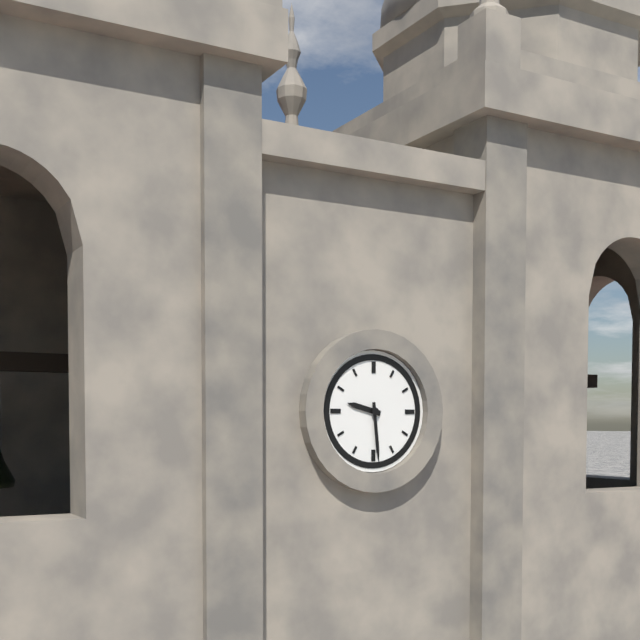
9:29
